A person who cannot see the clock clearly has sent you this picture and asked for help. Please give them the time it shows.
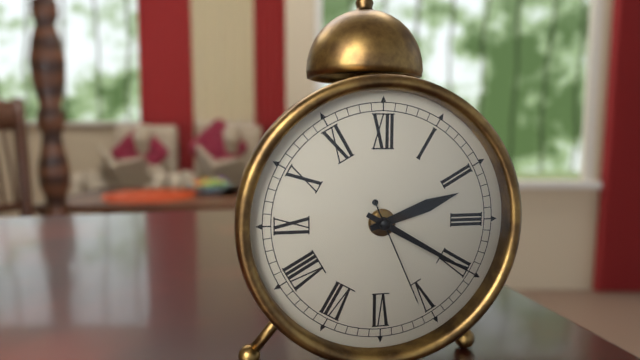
2:20:26
